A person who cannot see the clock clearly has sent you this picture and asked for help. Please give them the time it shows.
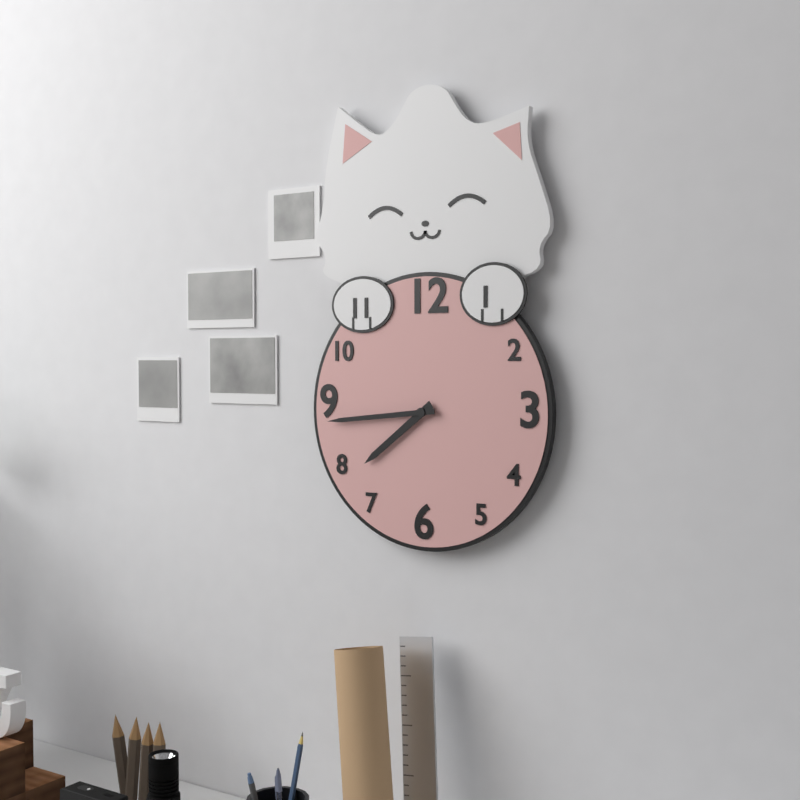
7:44
